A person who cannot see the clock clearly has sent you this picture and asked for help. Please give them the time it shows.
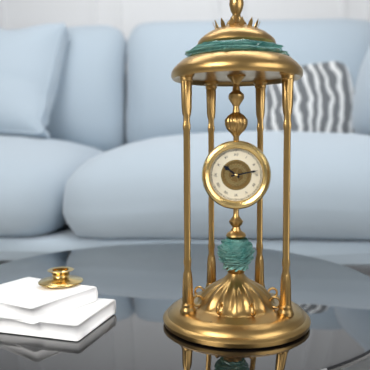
10:13
